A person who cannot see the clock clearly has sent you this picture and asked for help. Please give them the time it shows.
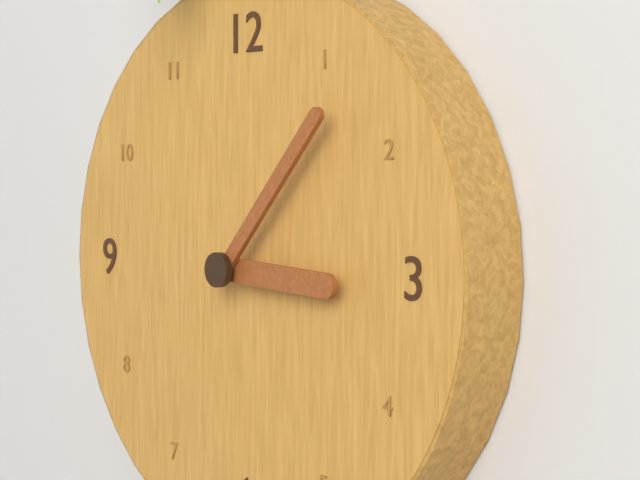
3:07
